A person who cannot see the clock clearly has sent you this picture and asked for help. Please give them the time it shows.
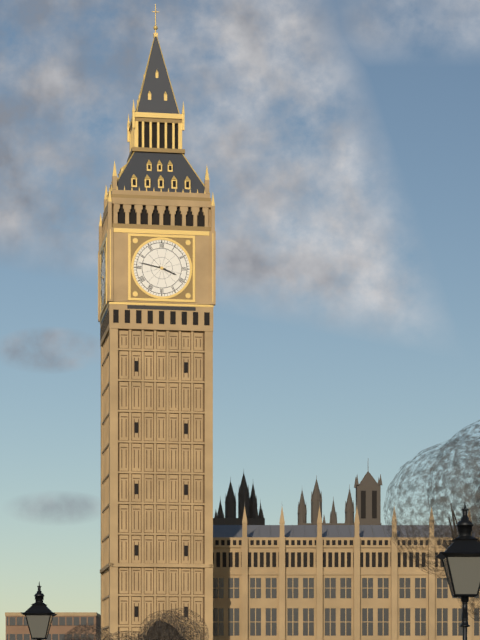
3:47
